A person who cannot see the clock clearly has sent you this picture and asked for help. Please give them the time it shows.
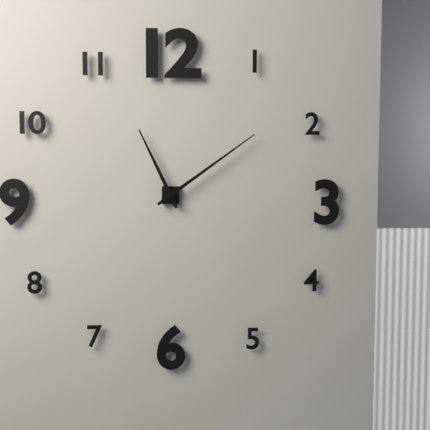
11:09
